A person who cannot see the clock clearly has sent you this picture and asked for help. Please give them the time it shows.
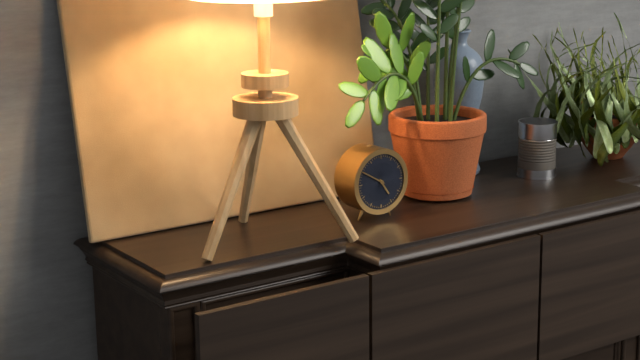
4:50
